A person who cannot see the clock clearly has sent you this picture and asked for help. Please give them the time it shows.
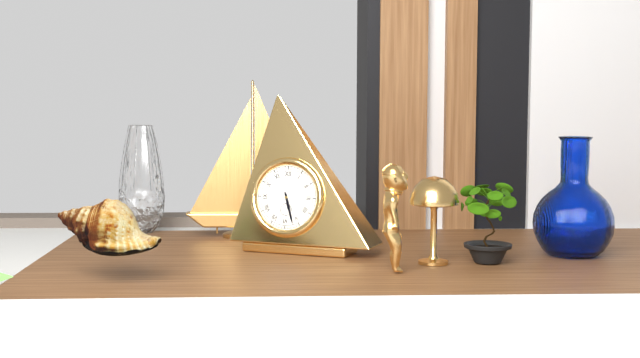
5:27
